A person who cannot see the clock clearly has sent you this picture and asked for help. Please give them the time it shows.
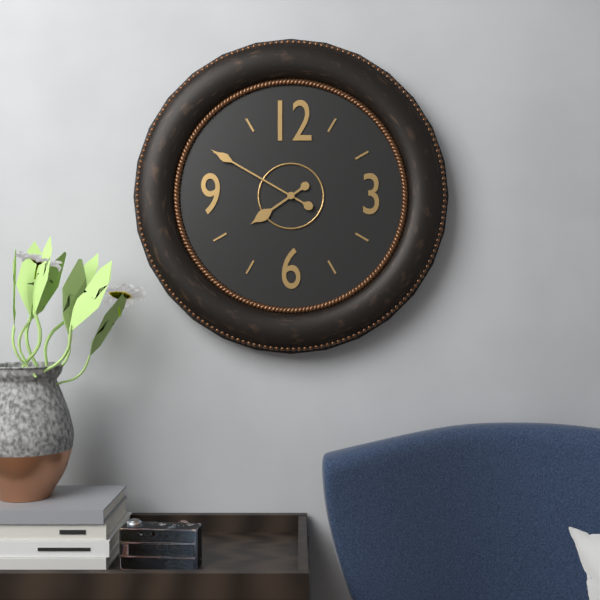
7:50
